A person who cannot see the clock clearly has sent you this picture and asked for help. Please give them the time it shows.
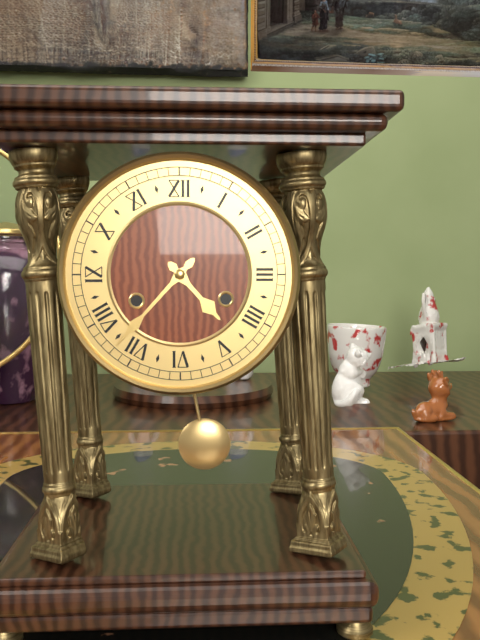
4:37
